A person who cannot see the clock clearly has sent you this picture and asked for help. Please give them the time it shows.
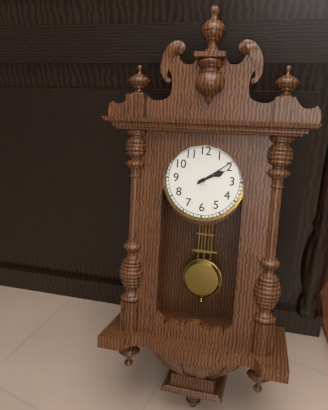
2:09
